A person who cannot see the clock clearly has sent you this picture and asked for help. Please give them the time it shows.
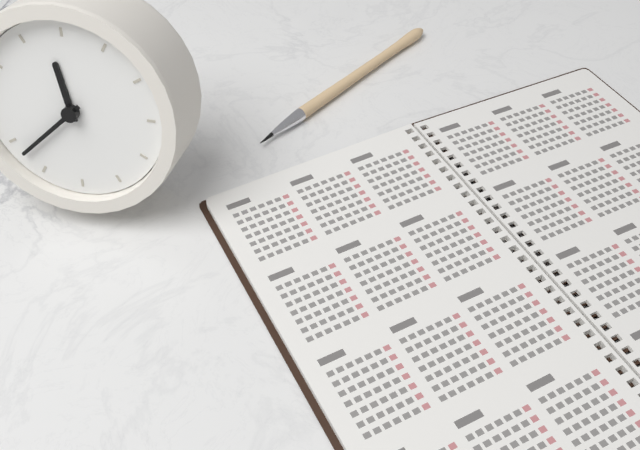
11:38
